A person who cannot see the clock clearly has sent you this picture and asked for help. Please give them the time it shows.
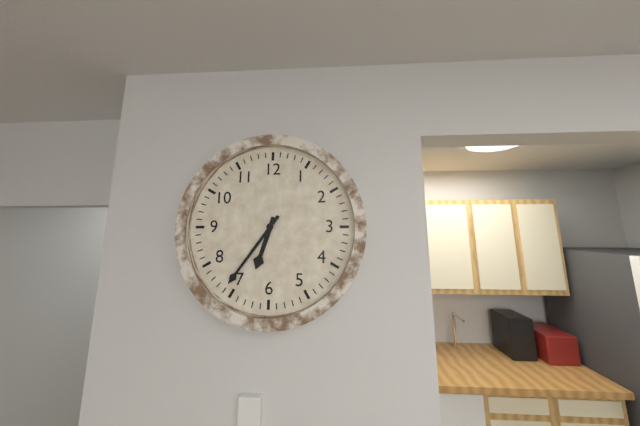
6:36
